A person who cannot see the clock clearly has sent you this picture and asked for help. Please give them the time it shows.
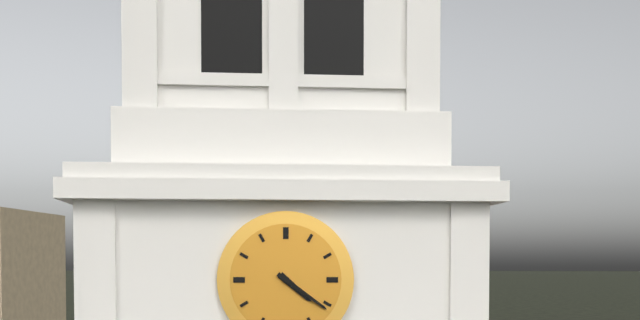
4:21
